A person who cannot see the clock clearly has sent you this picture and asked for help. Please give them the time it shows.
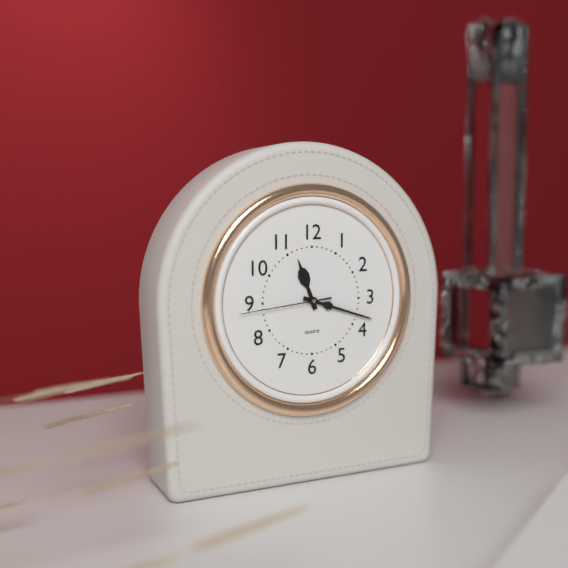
11:18:44
